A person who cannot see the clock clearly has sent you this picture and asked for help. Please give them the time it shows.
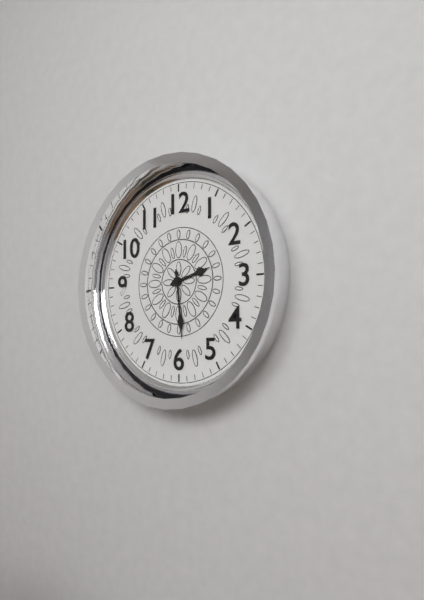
2:29
